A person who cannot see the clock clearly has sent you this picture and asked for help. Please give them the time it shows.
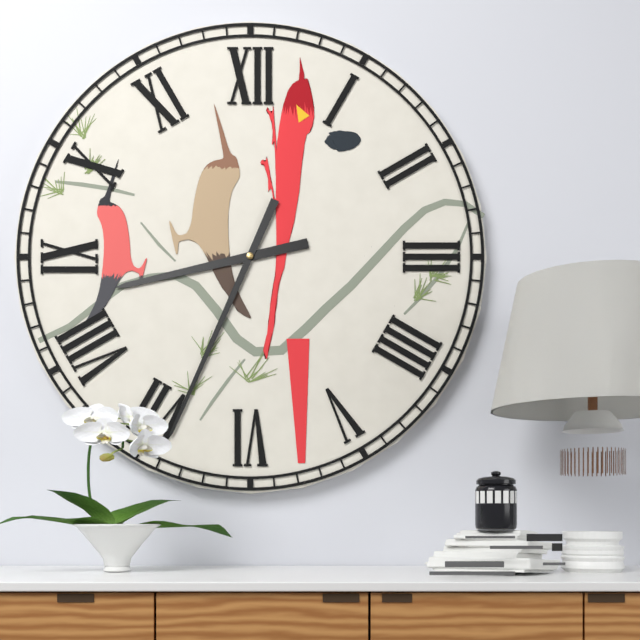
8:34
